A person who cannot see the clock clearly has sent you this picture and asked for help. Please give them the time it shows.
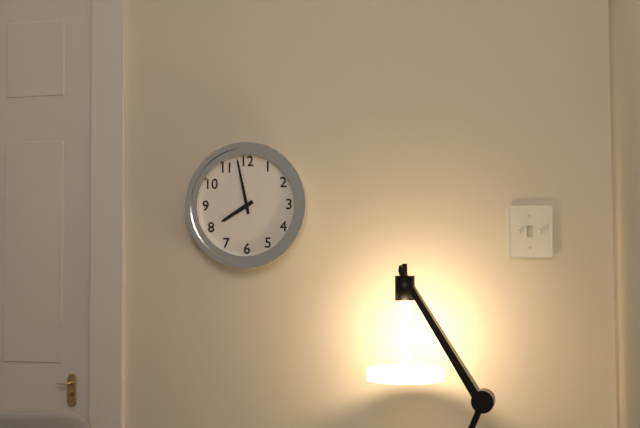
7:58
